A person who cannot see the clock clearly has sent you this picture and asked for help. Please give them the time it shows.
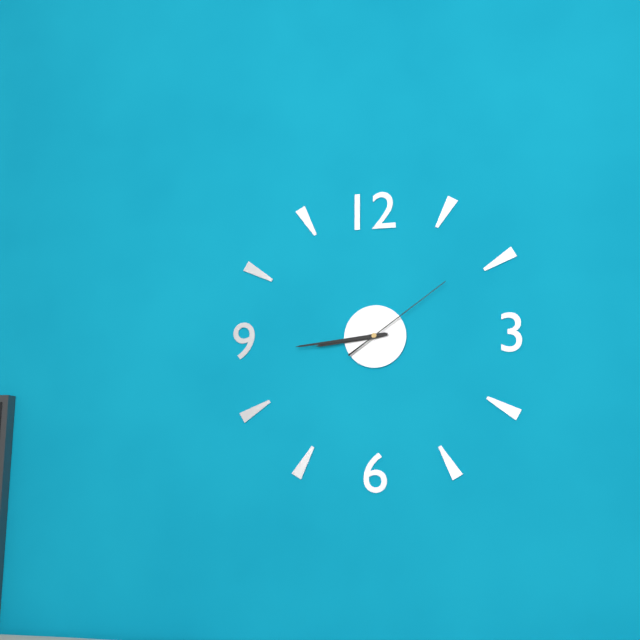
8:44:09
